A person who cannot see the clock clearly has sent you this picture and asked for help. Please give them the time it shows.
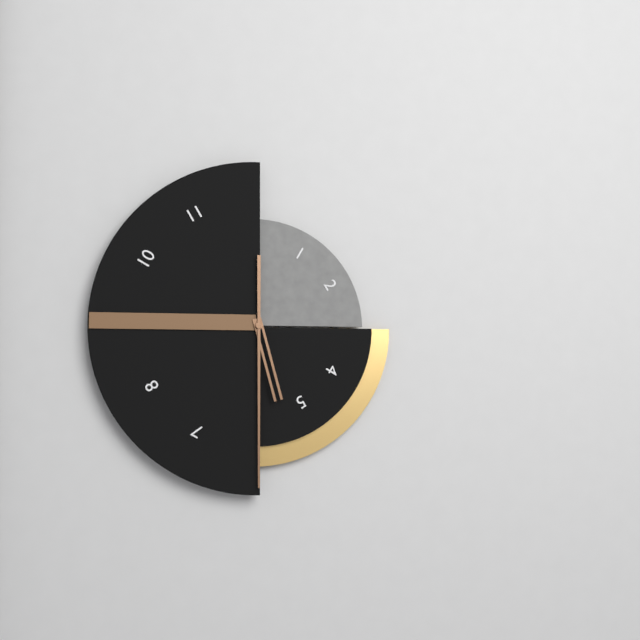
5:30
